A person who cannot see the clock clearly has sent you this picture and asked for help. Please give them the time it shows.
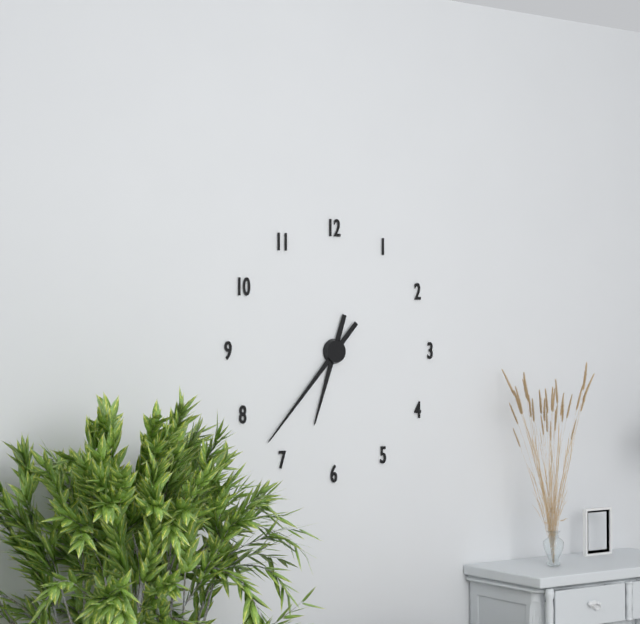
6:37
